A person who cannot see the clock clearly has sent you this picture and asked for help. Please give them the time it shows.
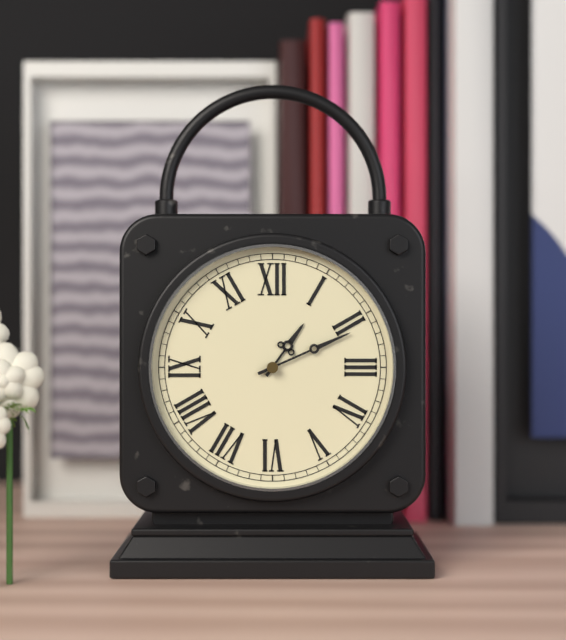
1:11
